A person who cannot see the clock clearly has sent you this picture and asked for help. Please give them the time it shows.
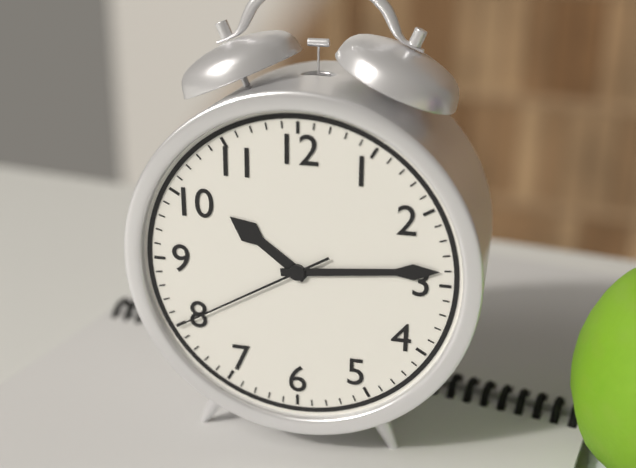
10:14:40
